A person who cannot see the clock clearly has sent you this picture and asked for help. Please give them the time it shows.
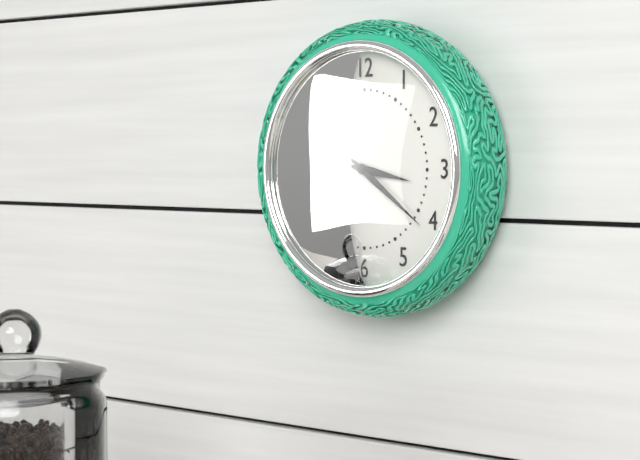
3:21
